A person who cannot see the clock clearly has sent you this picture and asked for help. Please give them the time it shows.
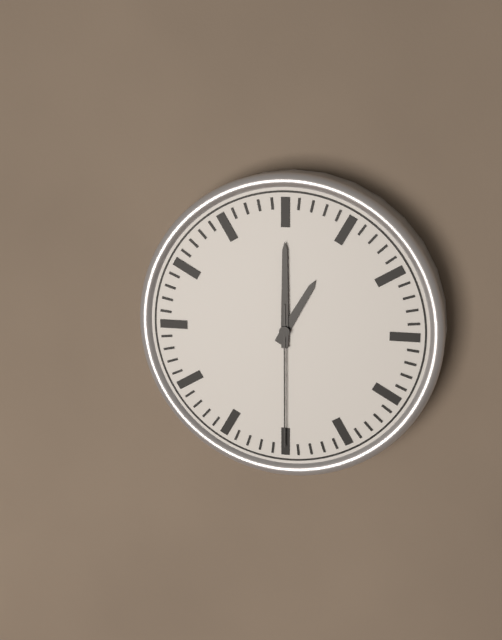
1:00:30
